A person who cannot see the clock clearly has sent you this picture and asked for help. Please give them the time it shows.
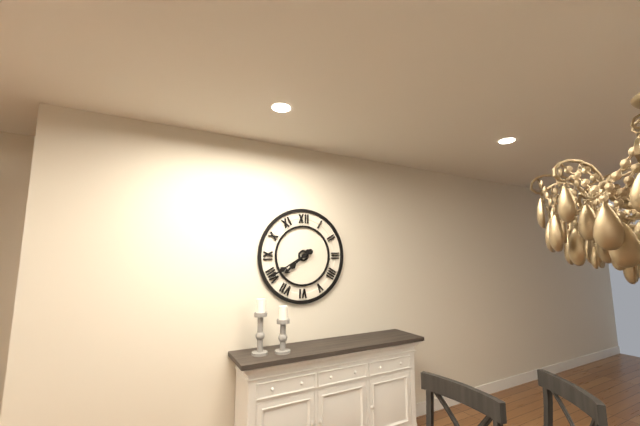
7:40
